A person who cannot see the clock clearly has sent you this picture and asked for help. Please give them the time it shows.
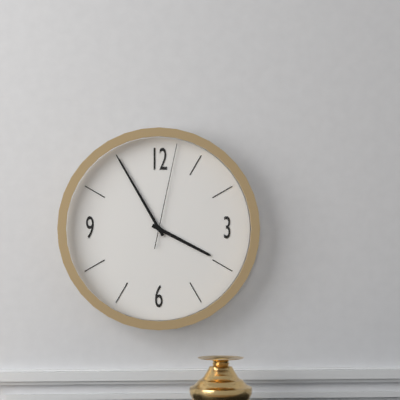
3:55:02
